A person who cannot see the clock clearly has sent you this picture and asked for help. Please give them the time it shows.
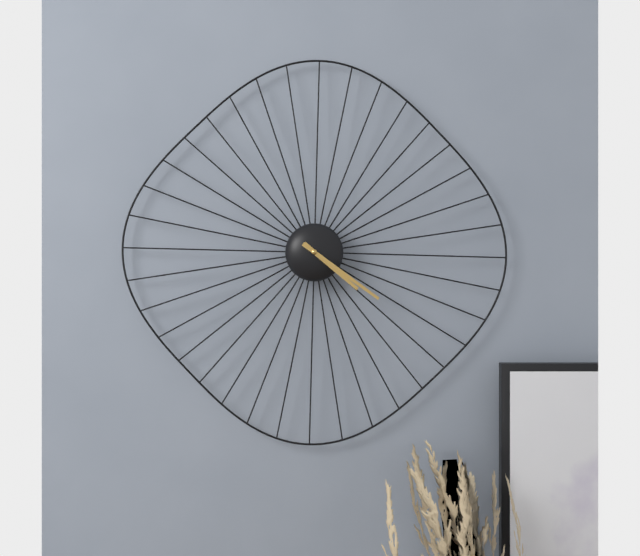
4:21
